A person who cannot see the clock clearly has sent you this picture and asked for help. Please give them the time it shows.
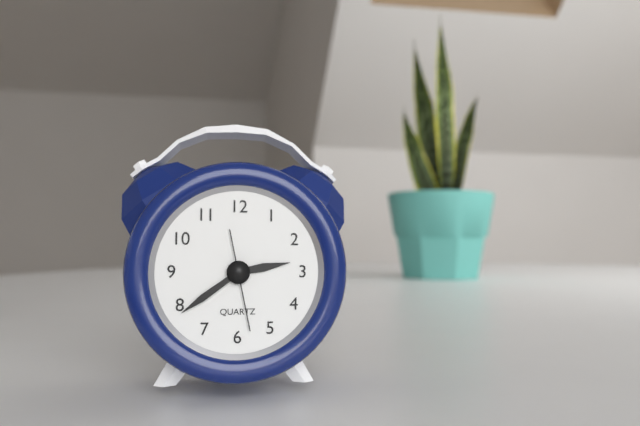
2:39:28
